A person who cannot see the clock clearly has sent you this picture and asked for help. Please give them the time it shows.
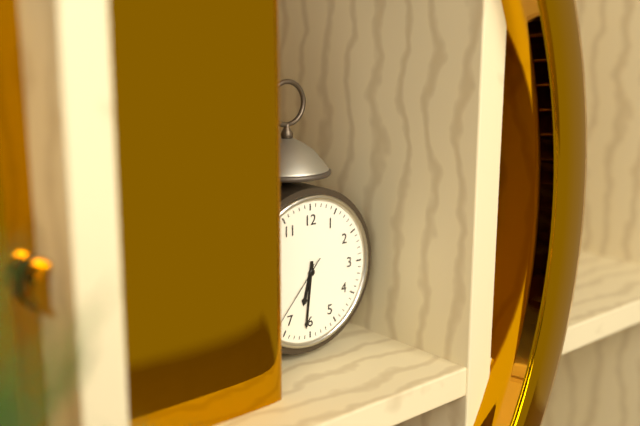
6:31:37
